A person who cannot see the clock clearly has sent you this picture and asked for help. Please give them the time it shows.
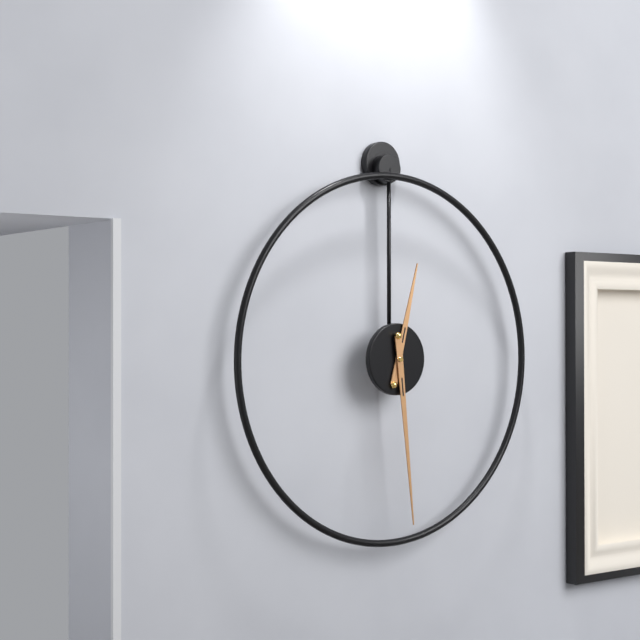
12:29
